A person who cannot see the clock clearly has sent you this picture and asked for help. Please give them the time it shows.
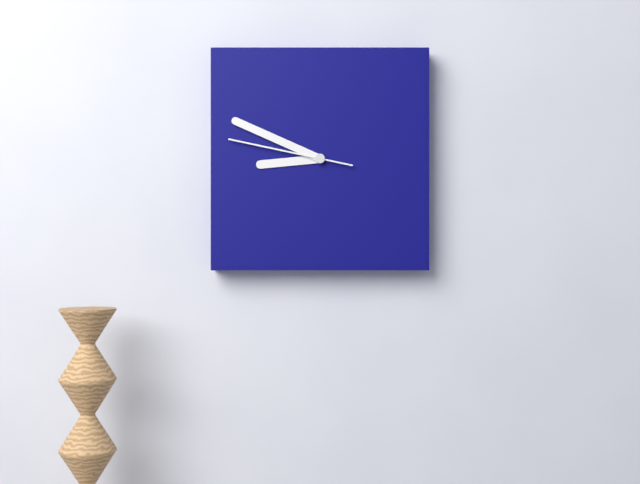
8:49:47
